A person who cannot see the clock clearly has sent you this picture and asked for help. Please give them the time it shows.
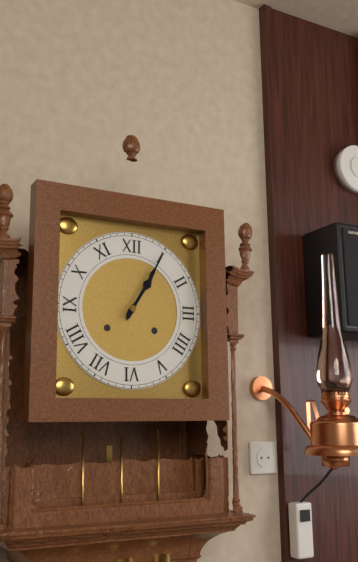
1:05
